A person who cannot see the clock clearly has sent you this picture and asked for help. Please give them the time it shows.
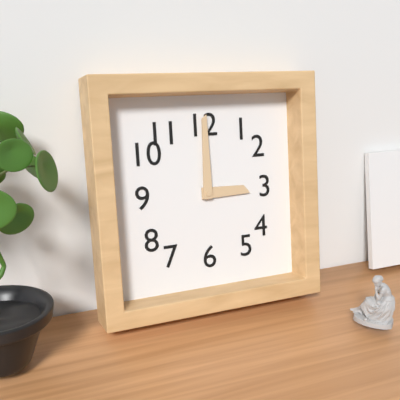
3:00
